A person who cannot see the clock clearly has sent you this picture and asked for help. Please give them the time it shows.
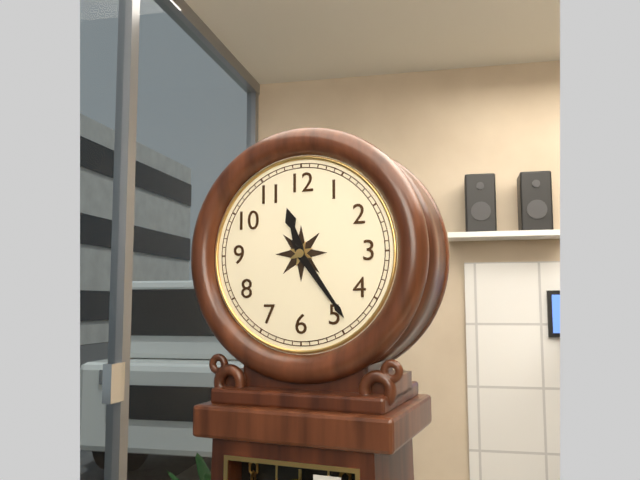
11:24
